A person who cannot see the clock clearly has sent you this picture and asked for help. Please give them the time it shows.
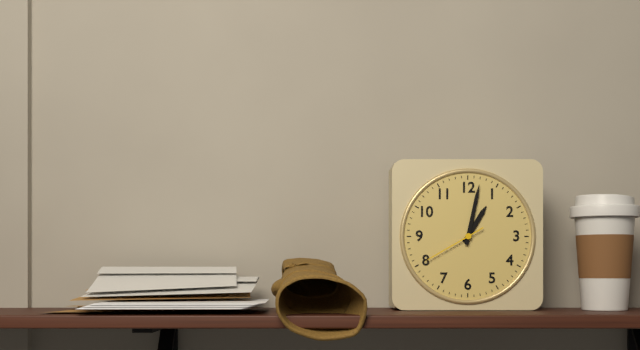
1:02:40
